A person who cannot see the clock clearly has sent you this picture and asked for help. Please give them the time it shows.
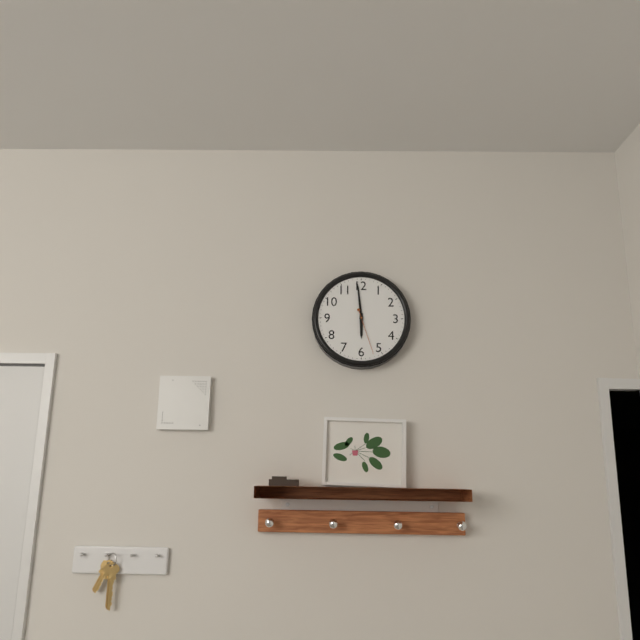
5:59
